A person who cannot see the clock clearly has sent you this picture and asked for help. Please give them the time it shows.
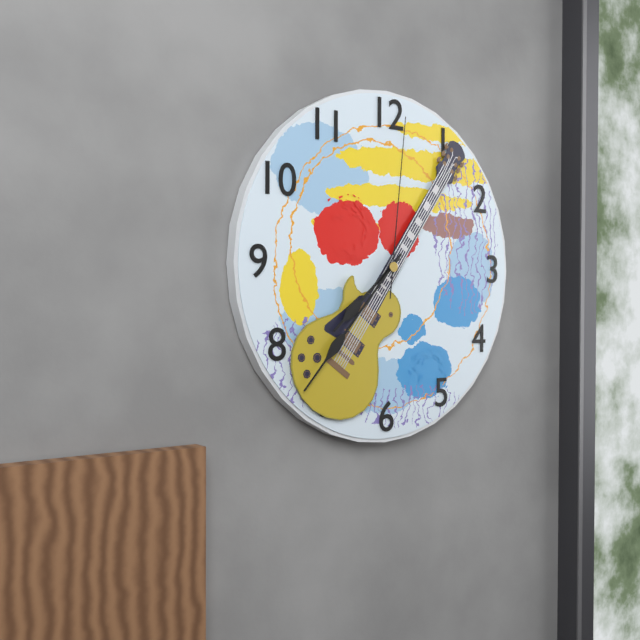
7:37:01
